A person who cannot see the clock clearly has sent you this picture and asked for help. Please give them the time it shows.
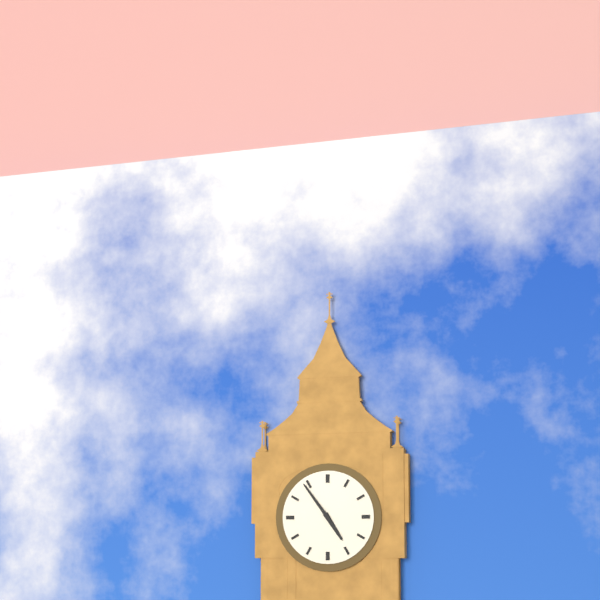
4:54
